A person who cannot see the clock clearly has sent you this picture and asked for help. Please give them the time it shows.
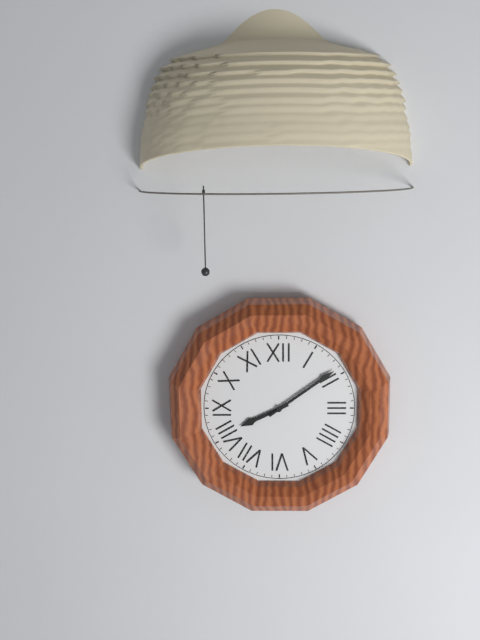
8:09
